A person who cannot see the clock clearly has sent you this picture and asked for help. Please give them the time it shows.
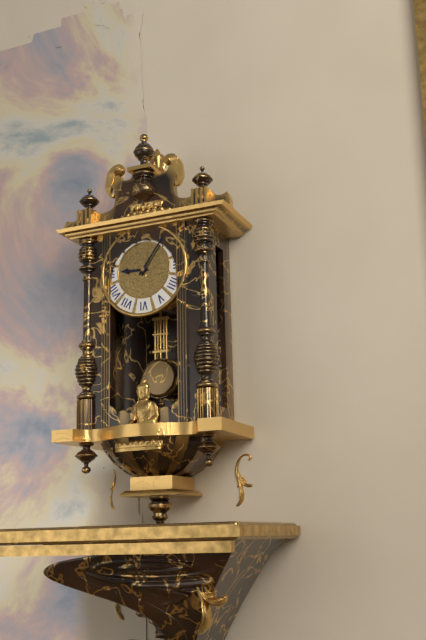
9:06
